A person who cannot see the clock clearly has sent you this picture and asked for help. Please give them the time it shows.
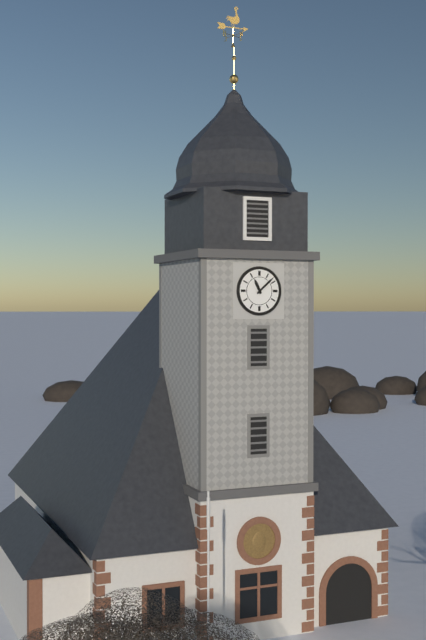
11:08
